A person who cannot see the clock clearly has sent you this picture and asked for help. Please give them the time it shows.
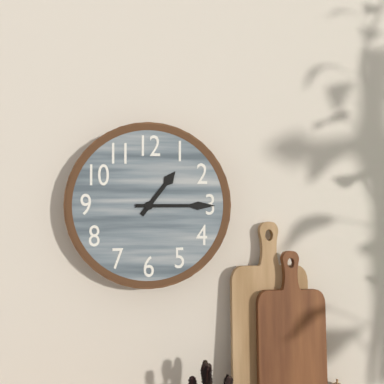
1:15
